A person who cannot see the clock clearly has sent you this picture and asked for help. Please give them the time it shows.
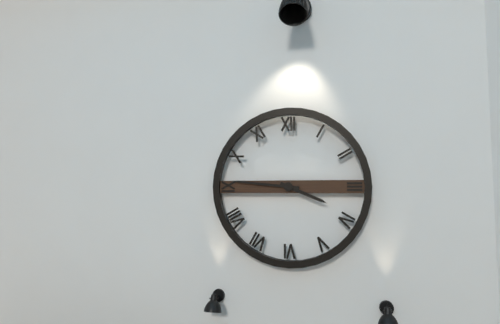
3:46
